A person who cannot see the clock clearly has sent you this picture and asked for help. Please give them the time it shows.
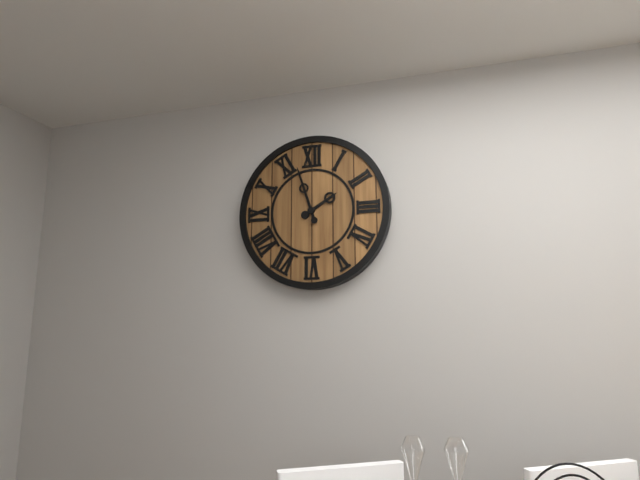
1:57
